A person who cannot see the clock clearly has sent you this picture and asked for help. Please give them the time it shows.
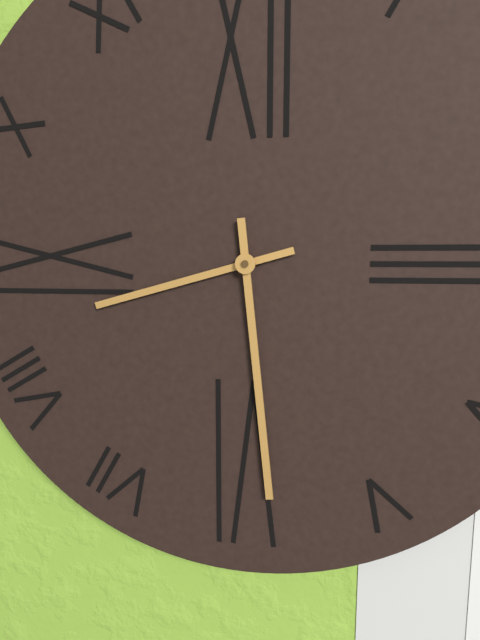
8:29
